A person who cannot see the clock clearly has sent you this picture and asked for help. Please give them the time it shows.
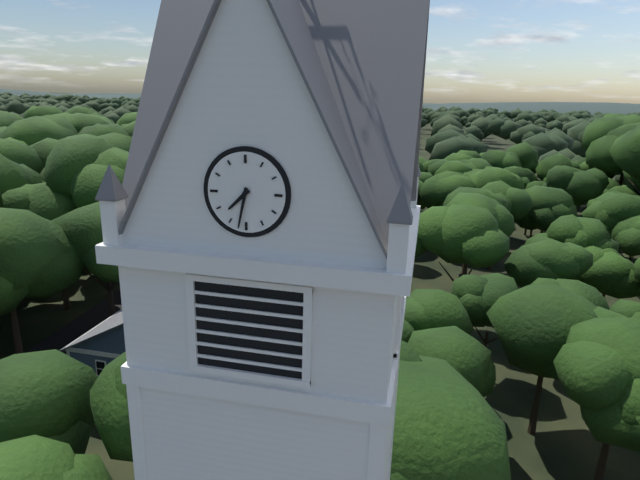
7:32
